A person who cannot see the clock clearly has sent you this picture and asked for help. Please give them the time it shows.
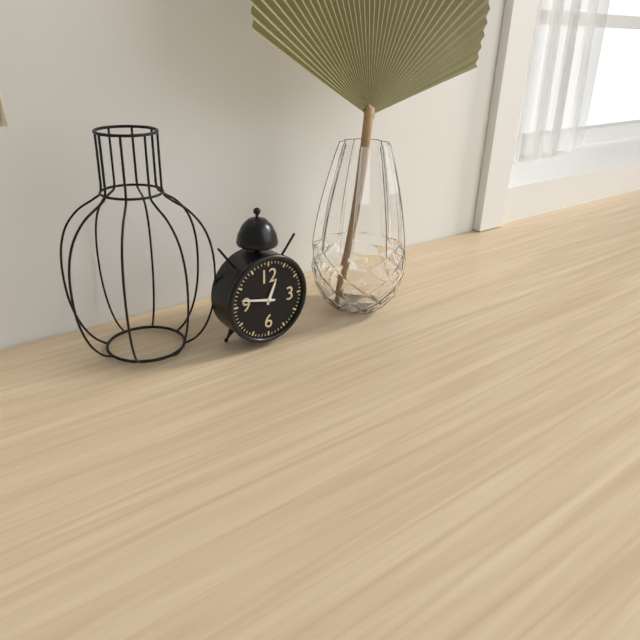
12:47
